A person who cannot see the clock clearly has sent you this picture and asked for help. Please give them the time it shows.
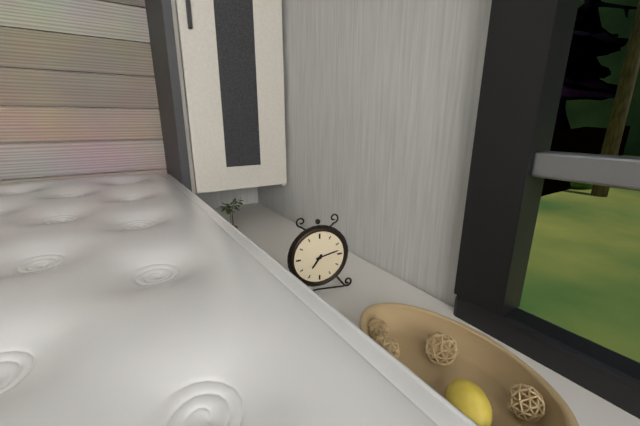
7:13
